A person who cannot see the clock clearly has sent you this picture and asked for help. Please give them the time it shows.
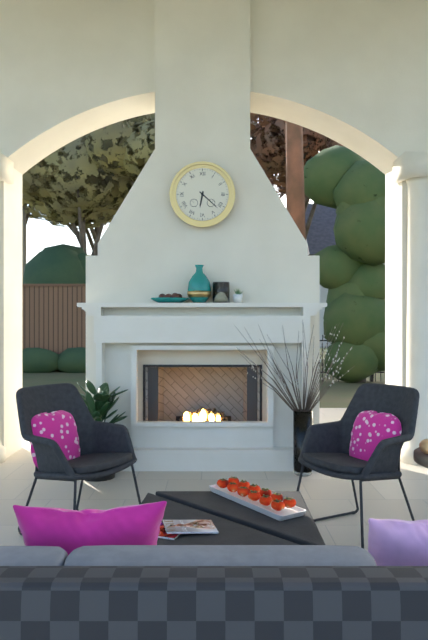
6:22
